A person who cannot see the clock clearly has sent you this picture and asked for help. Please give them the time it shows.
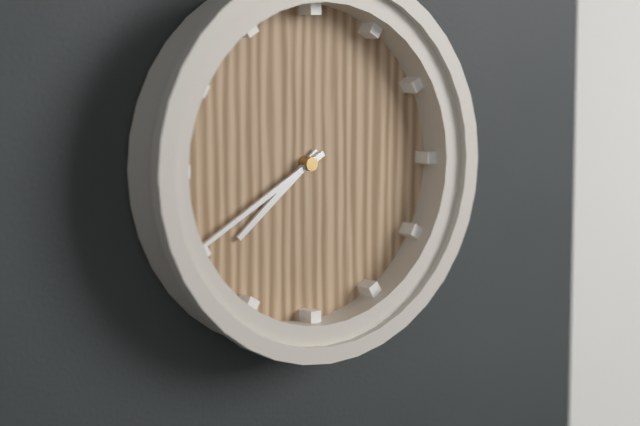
7:40
